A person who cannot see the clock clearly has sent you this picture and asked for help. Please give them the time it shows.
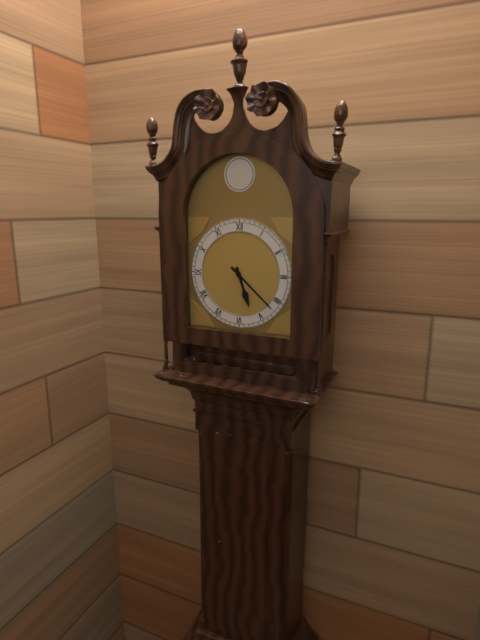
5:22
